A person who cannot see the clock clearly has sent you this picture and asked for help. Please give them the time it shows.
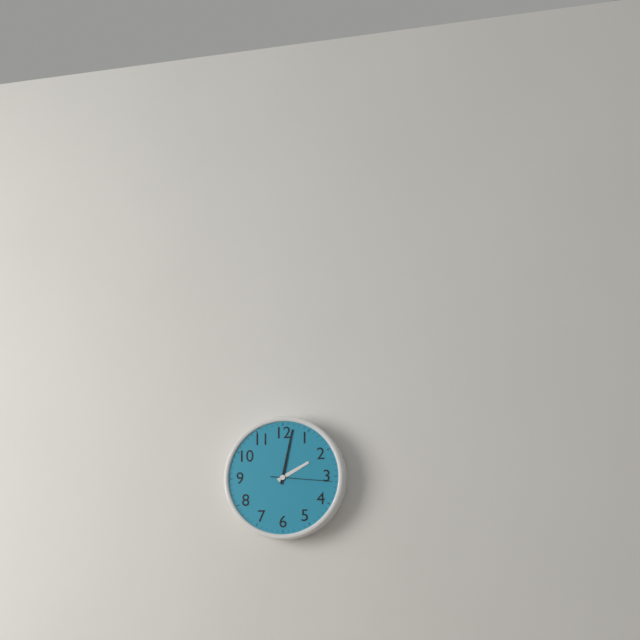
2:02:16
